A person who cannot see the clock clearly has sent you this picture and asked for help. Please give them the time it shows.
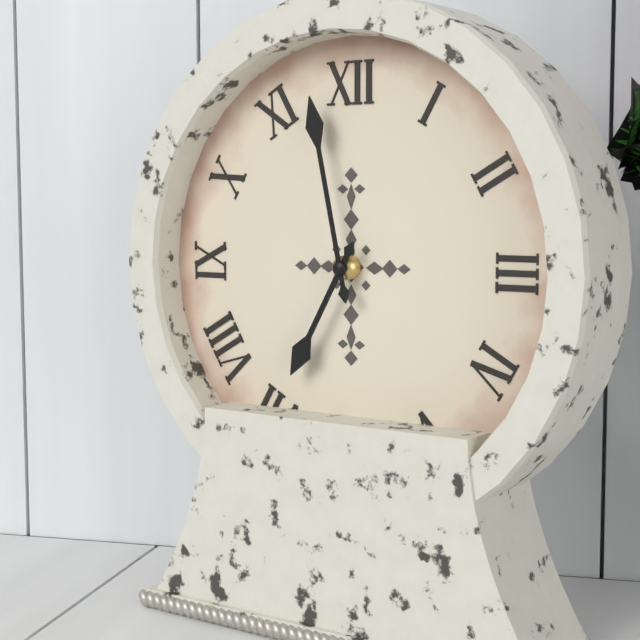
6:58
